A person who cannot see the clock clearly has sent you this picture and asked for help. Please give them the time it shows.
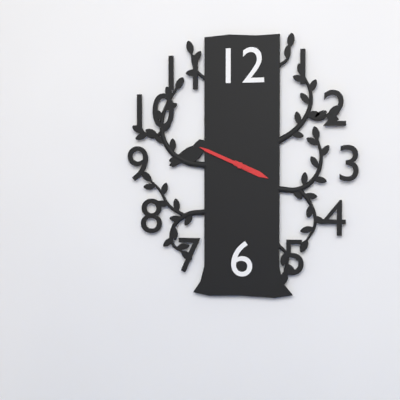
3:49
